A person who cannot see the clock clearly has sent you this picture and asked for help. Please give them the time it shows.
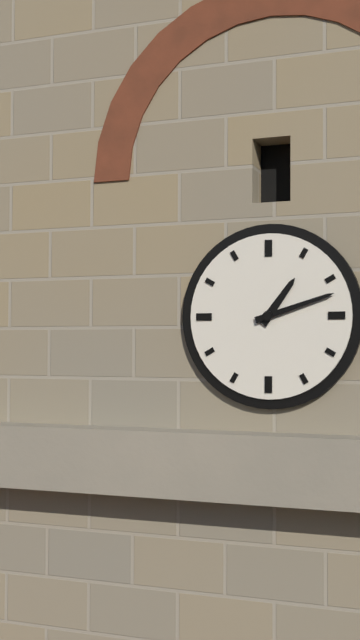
1:12
